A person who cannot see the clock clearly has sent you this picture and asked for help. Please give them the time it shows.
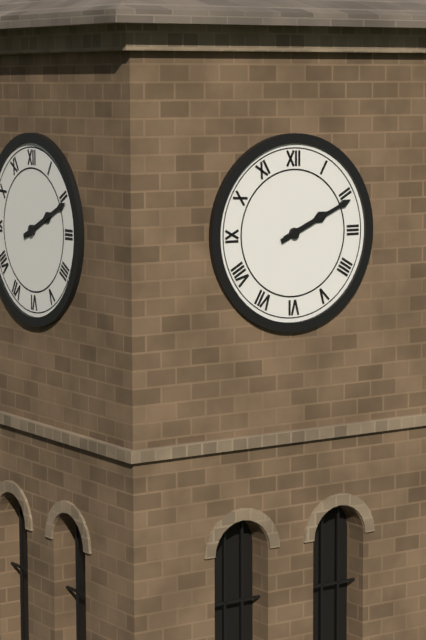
2:11
